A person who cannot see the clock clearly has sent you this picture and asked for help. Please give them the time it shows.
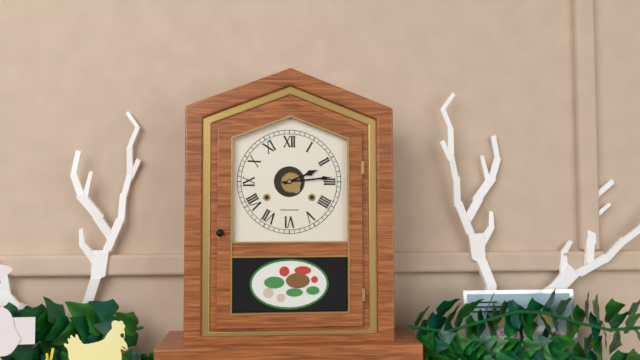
2:14
